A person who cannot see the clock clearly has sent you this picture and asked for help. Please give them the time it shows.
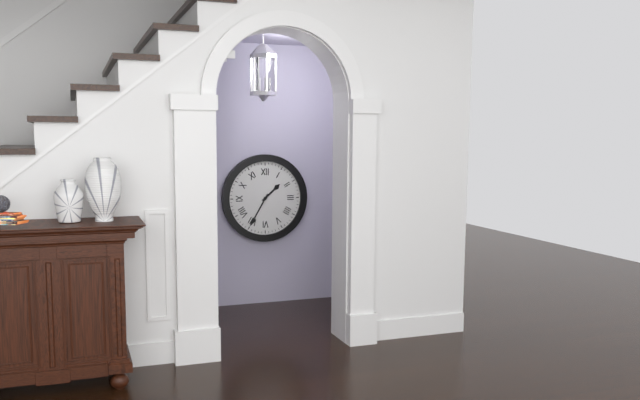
1:35
